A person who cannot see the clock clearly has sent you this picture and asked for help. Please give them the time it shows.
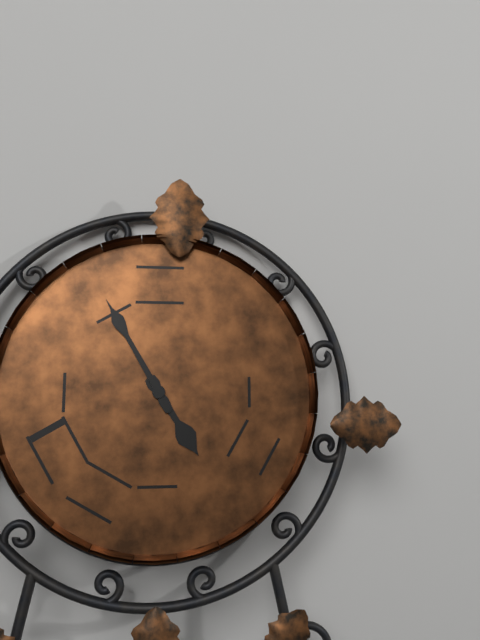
4:55
